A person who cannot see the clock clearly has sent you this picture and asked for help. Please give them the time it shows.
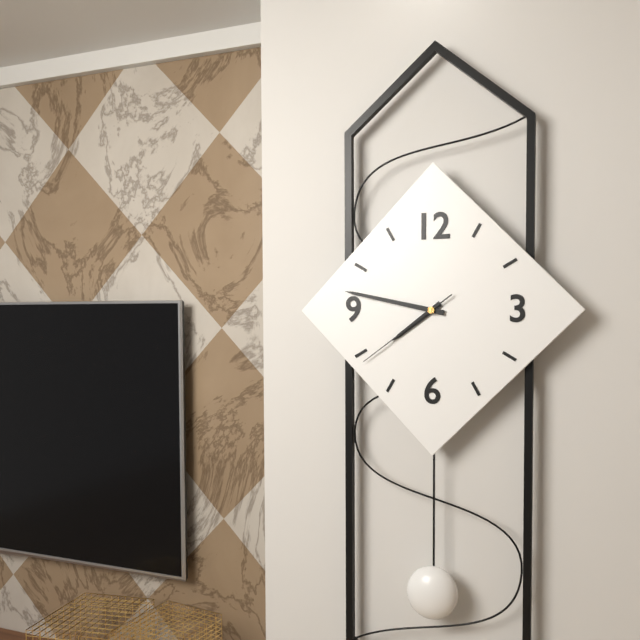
7:47:39
